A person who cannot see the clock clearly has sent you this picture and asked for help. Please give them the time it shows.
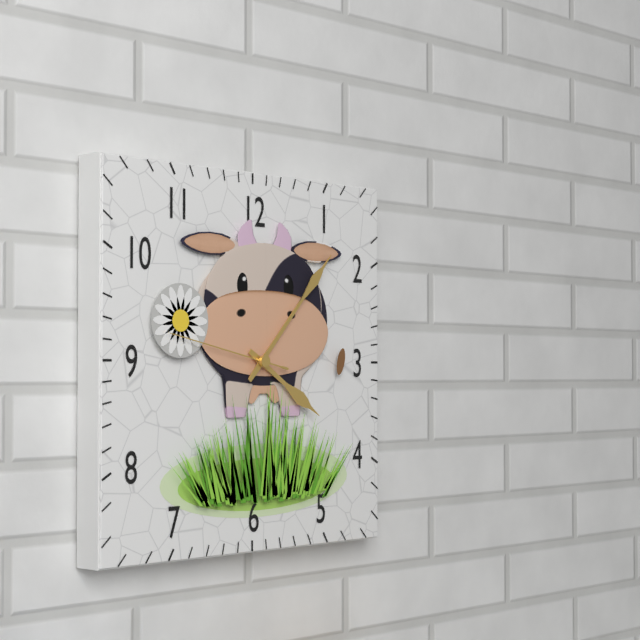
4:07:47
